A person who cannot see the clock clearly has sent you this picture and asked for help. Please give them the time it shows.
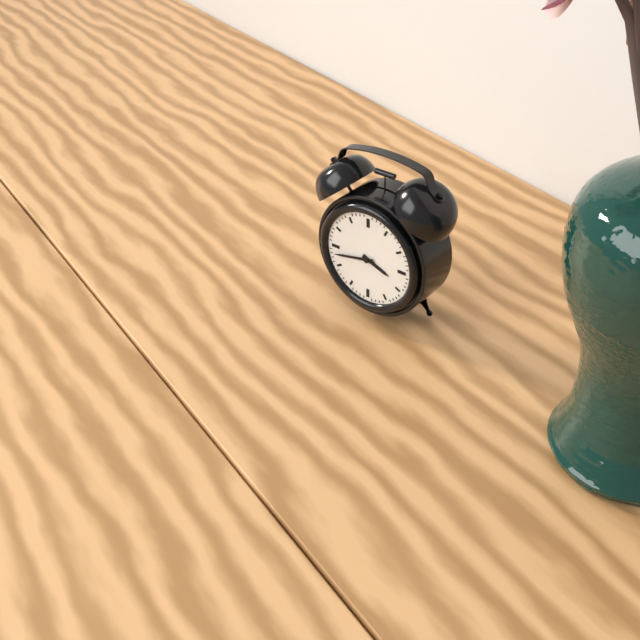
3:43
